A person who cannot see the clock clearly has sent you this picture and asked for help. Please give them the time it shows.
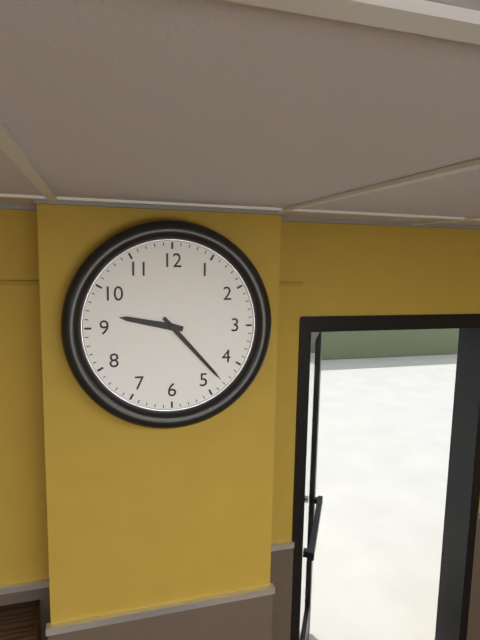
9:23
